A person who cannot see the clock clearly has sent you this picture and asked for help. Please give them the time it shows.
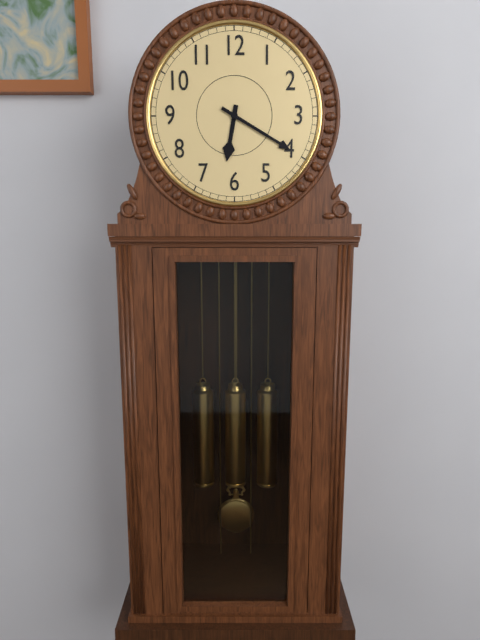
6:20
